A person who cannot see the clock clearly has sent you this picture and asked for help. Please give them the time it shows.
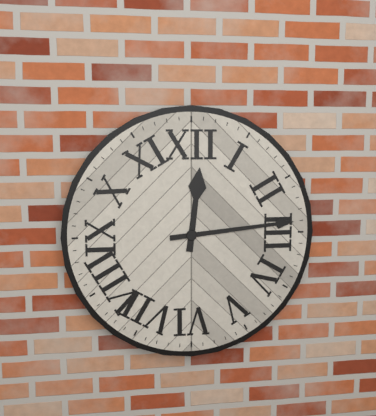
12:14
